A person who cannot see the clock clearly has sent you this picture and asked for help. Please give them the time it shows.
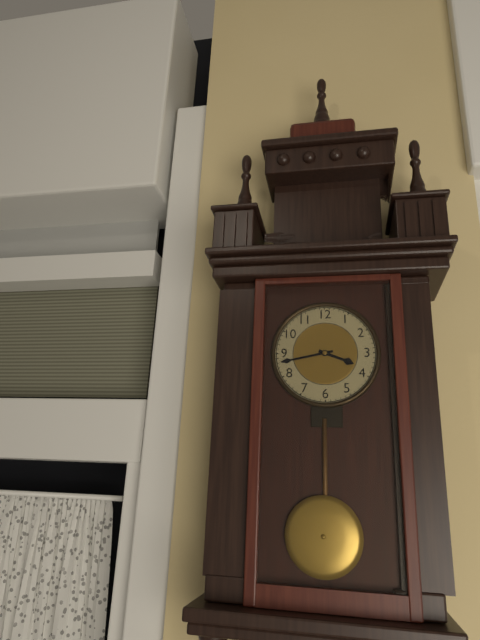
3:43
